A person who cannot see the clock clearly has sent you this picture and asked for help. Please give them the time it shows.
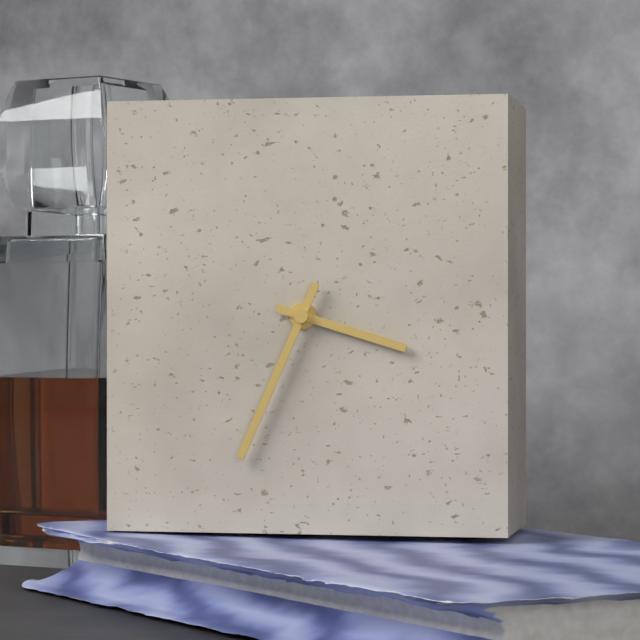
3:34
